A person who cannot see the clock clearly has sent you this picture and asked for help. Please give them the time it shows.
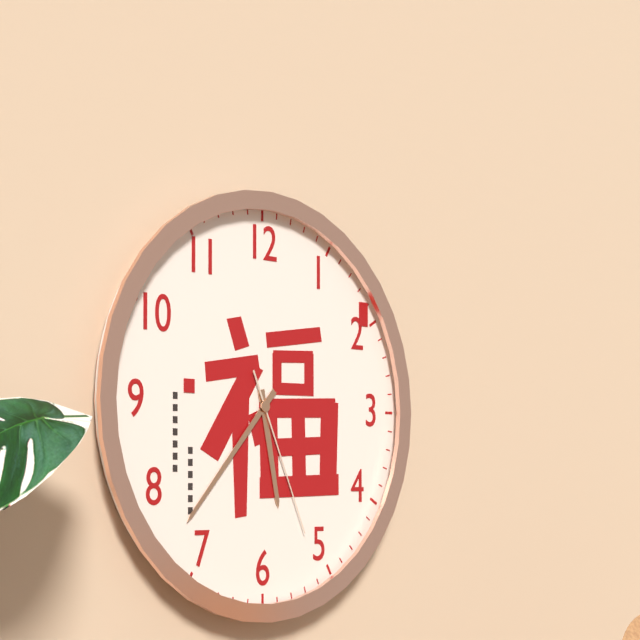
5:37:26
